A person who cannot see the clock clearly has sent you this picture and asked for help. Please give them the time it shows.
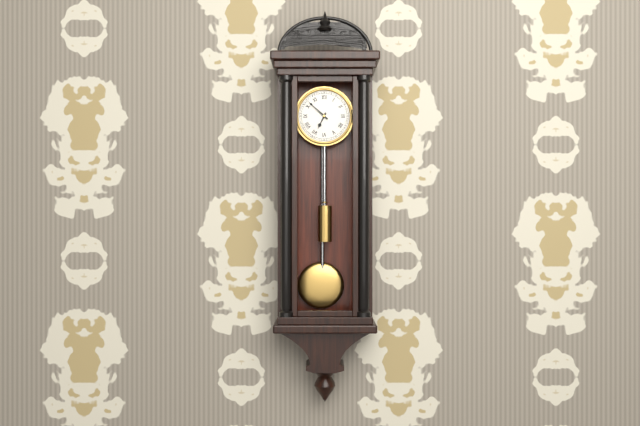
6:52
